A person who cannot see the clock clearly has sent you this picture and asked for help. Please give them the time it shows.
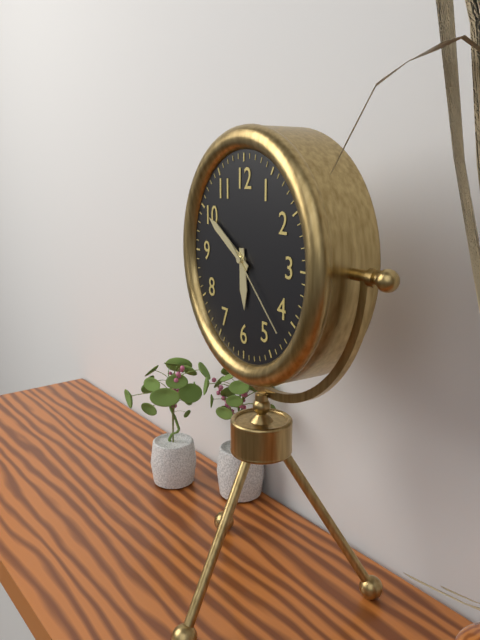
5:50:22
